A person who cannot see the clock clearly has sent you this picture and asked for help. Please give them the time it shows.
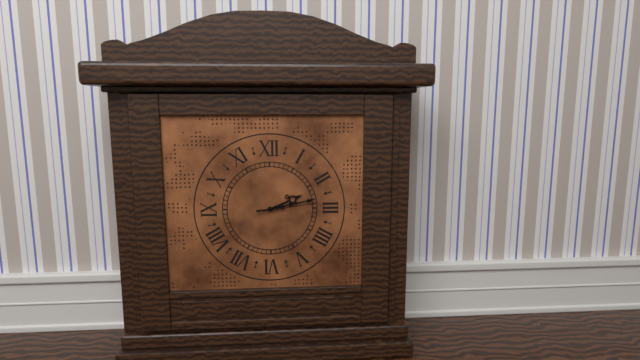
2:13:14
